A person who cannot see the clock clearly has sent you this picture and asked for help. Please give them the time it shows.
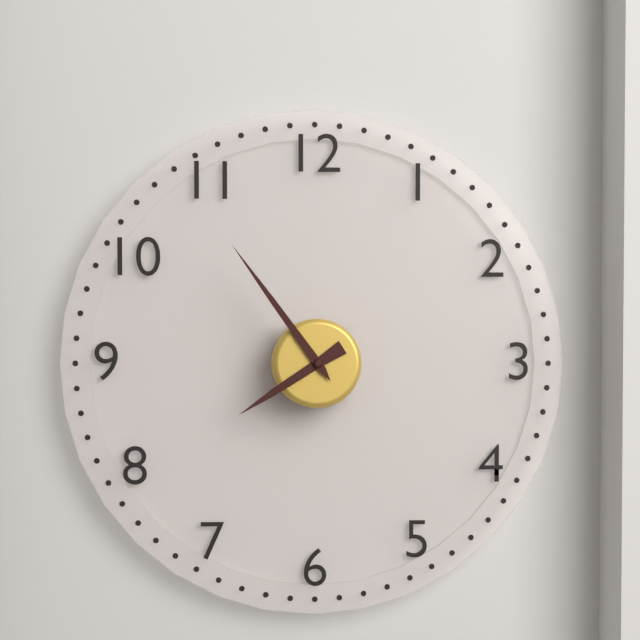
7:54
